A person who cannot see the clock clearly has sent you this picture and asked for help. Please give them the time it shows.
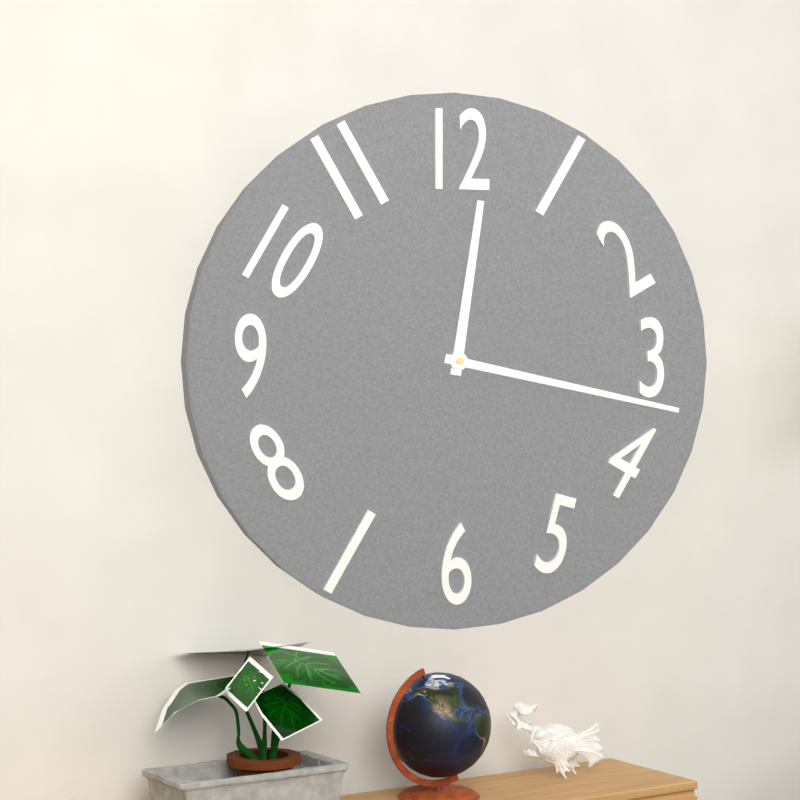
12:17
